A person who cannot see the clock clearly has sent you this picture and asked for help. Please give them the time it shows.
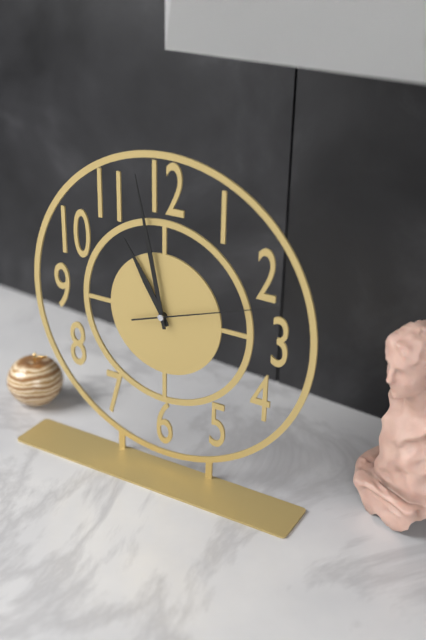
10:58:12
